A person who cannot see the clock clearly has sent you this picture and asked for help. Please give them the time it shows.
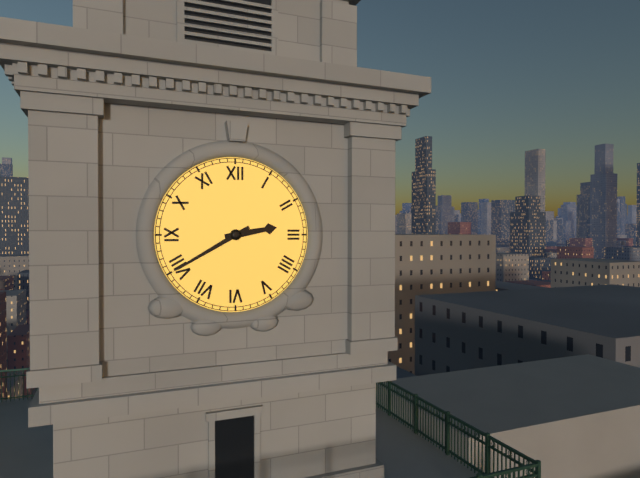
2:40
